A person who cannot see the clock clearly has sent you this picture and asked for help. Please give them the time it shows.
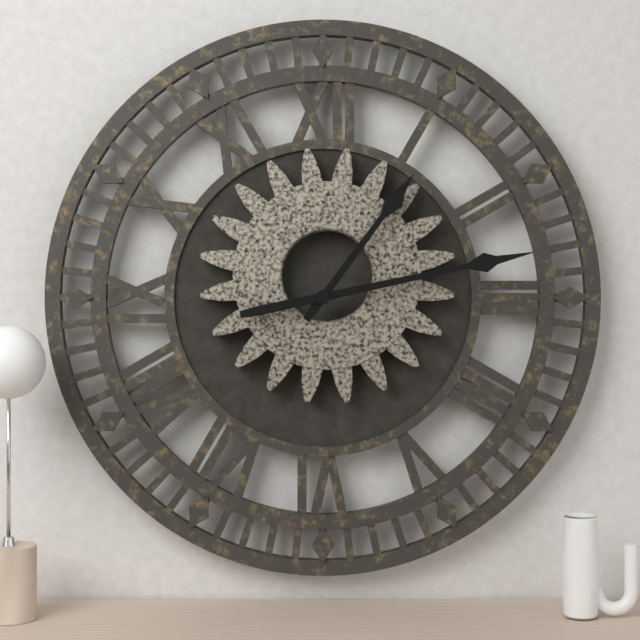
1:13
